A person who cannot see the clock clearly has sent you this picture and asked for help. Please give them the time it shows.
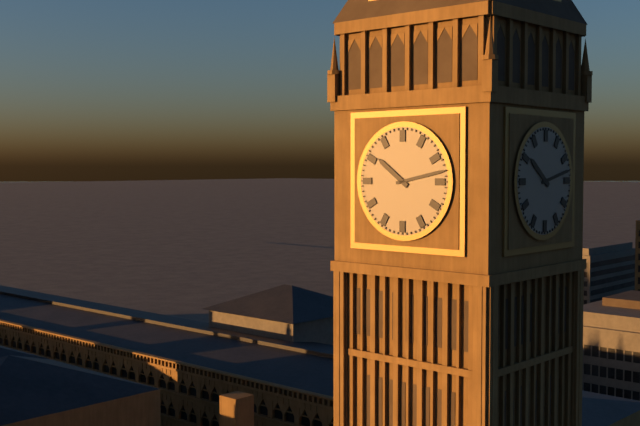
10:13
